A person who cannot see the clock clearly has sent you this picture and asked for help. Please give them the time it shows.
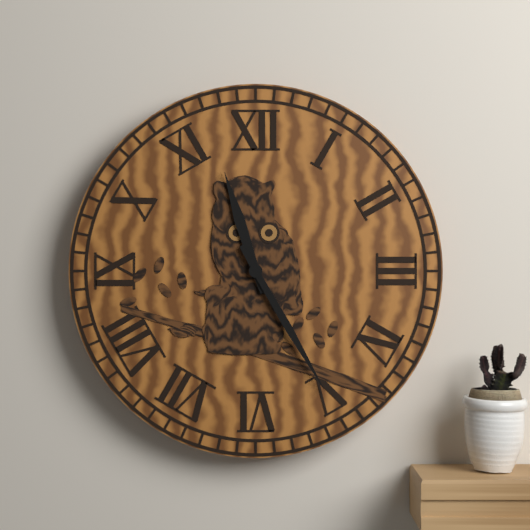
11:25
